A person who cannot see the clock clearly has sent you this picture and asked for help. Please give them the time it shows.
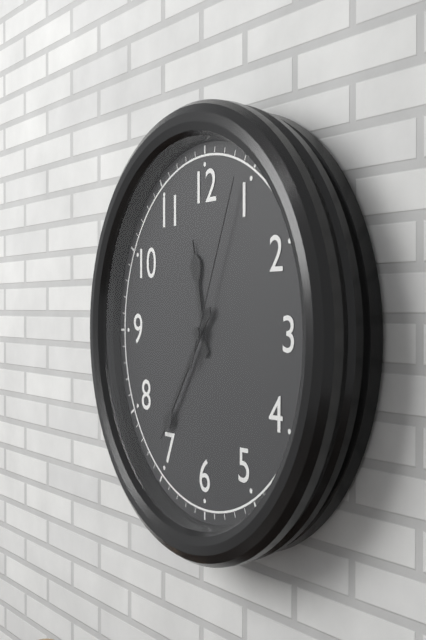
11:36:04
